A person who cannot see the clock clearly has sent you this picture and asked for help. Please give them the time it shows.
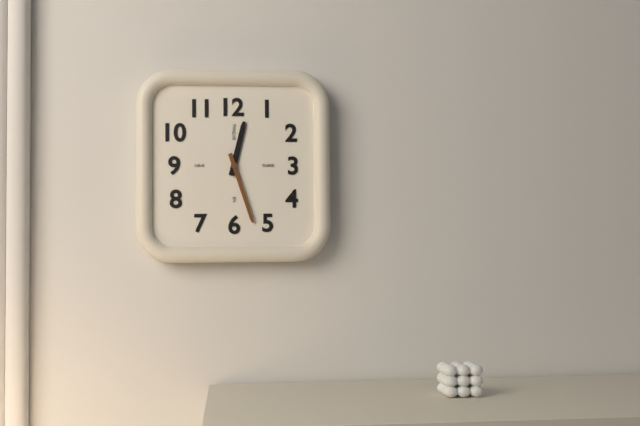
12:27
